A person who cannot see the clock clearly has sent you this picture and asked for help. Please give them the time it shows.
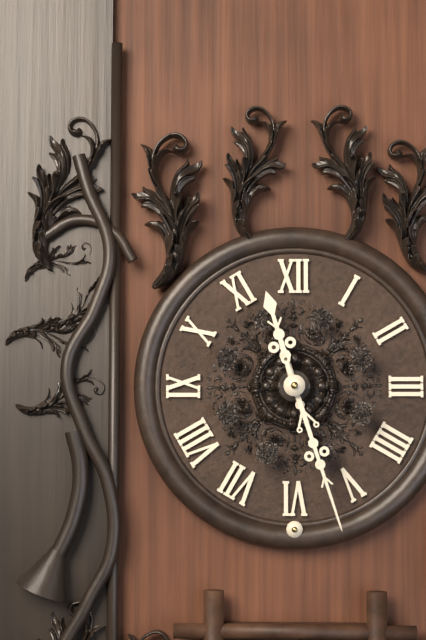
11:27
